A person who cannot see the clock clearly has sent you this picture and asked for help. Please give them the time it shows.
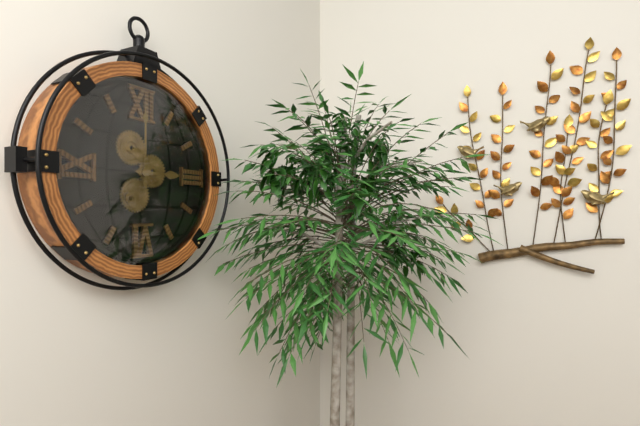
3:00
